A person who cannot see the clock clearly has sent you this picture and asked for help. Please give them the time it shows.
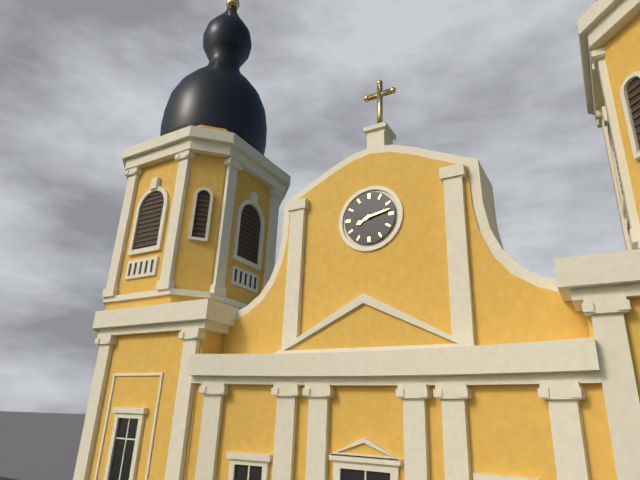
8:13
